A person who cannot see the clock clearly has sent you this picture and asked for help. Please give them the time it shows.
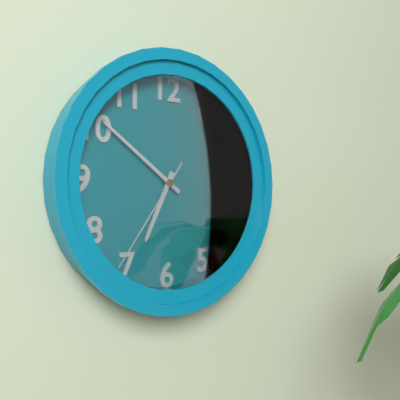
6:51:36
